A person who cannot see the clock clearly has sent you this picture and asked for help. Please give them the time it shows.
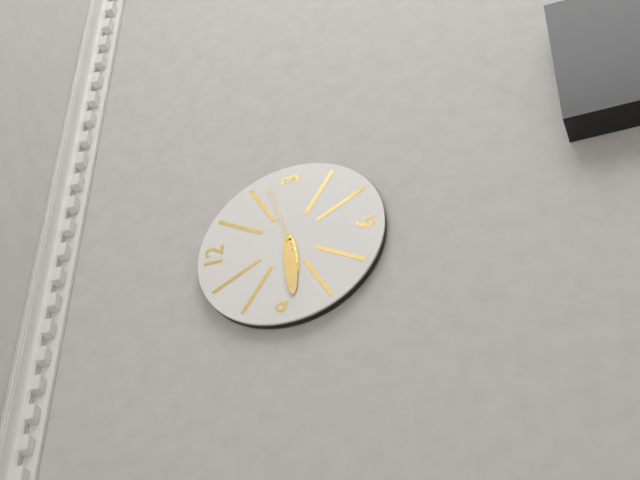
8:44:12
